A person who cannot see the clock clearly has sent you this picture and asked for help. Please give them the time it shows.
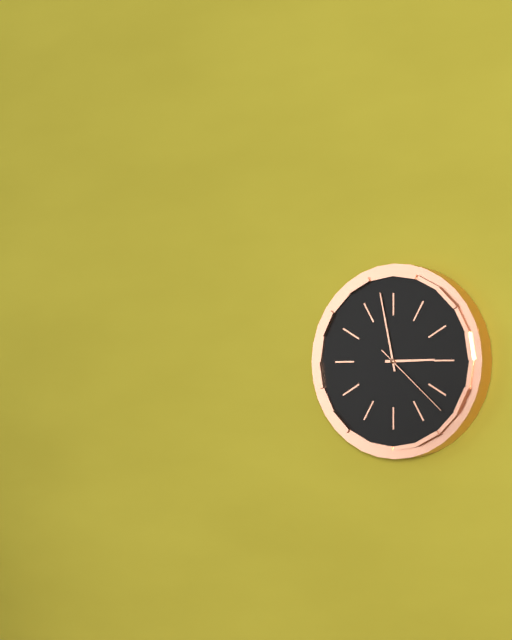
2:58:22
